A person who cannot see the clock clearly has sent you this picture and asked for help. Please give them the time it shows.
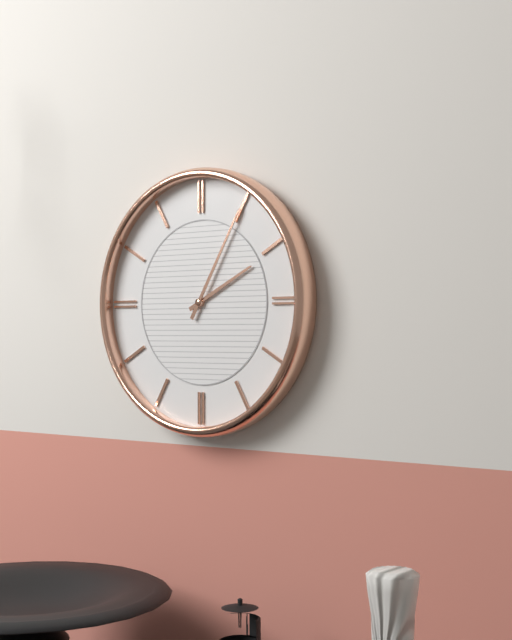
2:05
